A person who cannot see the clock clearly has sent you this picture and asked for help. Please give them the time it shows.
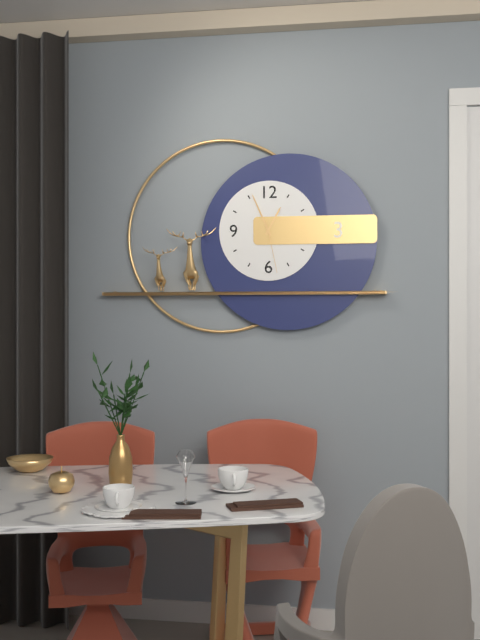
12:56:28
